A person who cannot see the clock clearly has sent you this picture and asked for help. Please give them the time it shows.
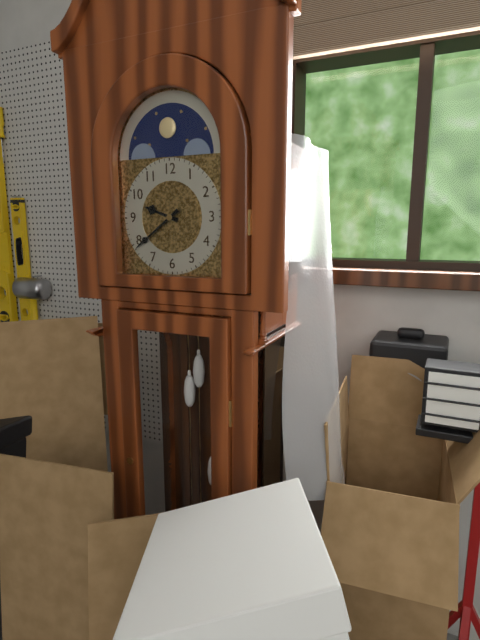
9:39
